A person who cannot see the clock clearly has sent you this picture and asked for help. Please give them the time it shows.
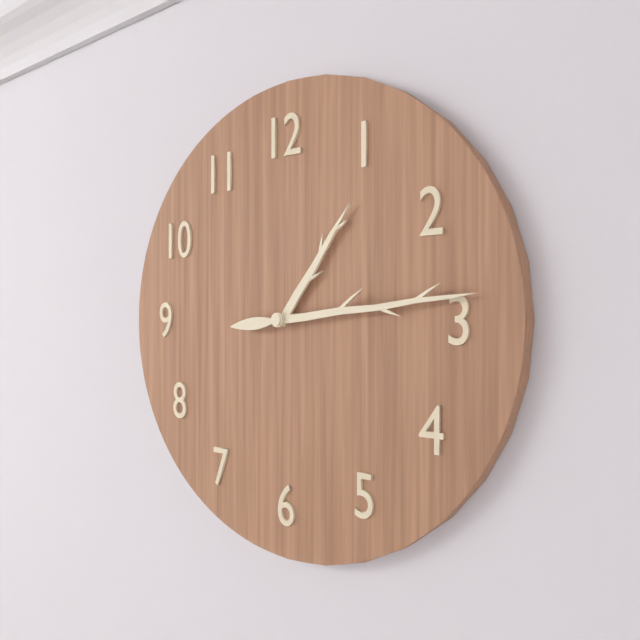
1:14
